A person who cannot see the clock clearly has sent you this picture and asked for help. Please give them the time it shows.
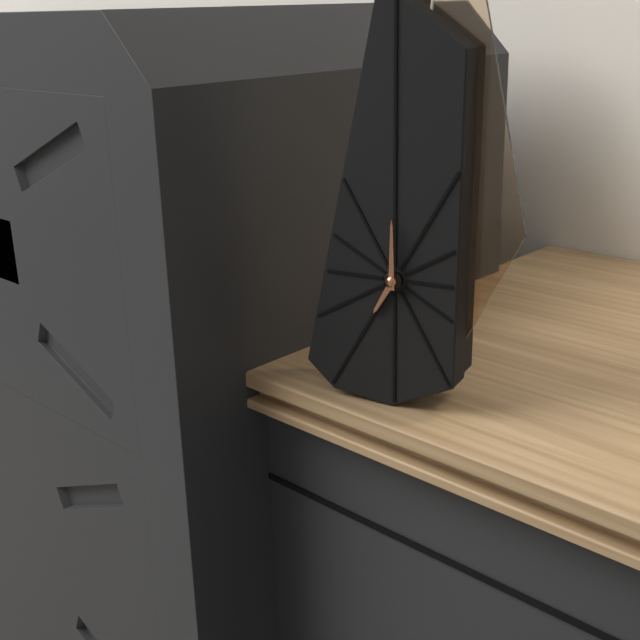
7:00
